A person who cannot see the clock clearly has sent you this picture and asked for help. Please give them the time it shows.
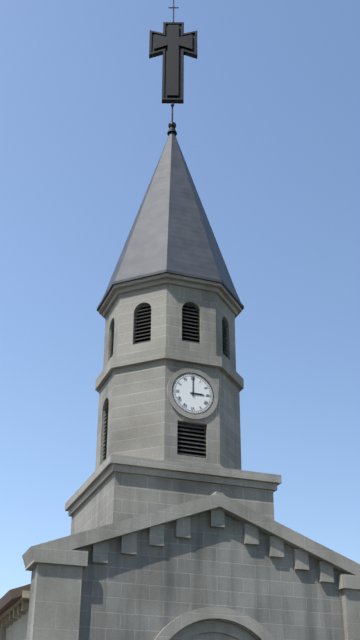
3:00
